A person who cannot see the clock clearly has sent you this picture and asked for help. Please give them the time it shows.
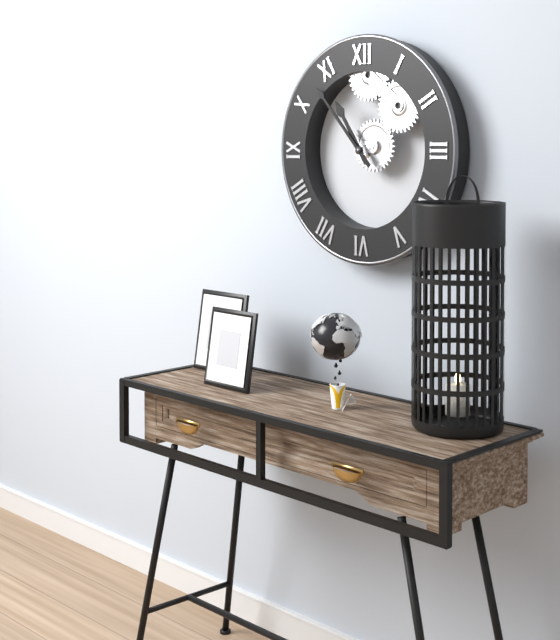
10:53
